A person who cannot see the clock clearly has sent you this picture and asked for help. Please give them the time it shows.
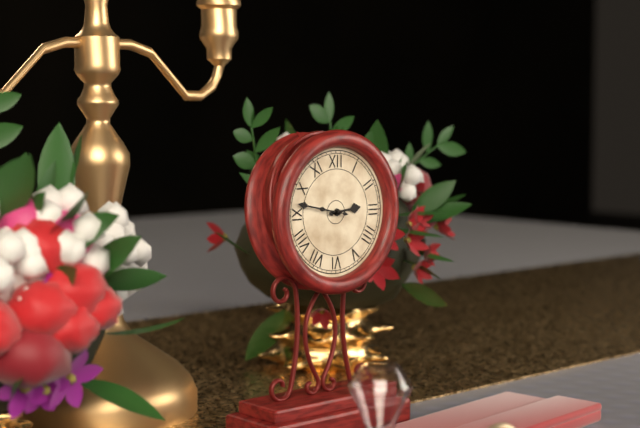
2:47
